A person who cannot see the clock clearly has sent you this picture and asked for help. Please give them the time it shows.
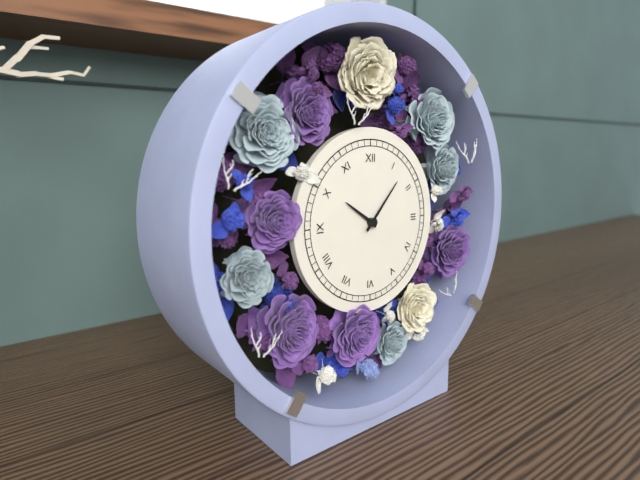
10:07
